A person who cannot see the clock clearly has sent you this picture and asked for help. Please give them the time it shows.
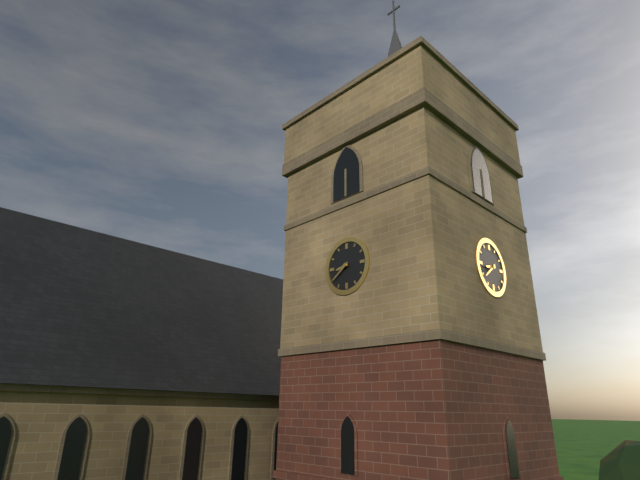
8:39
